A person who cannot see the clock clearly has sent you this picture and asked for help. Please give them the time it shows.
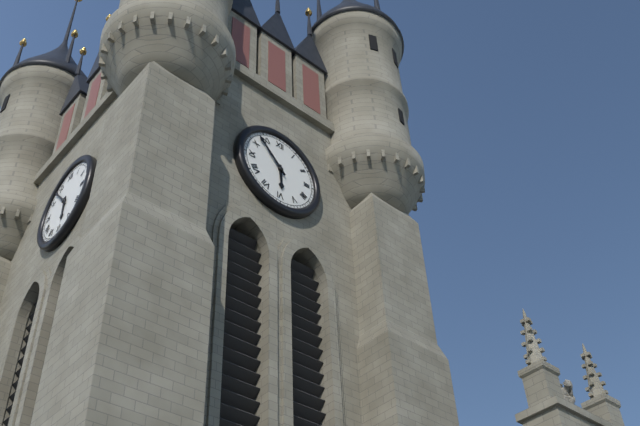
5:53
